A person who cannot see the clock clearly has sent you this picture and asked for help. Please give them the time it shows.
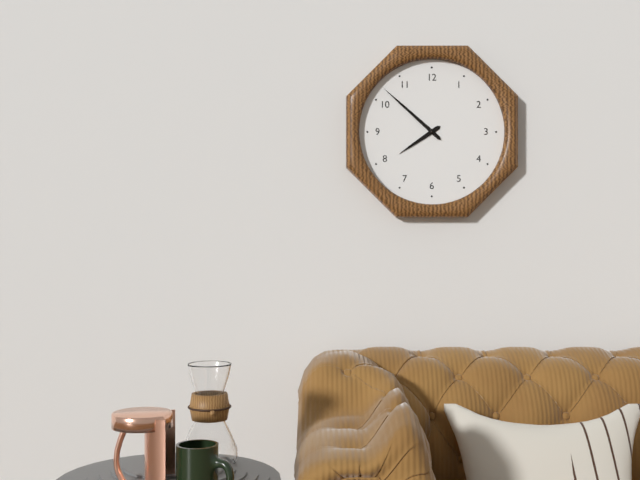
7:52
